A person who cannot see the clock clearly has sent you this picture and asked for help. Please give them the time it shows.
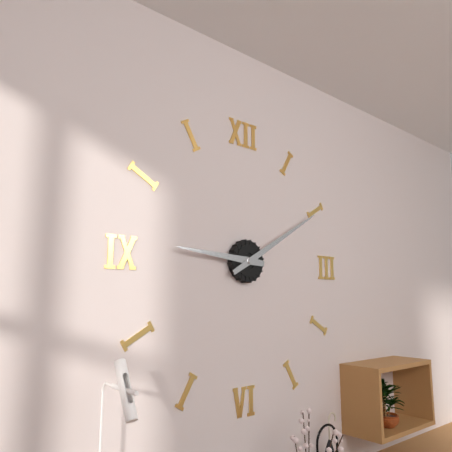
9:10
